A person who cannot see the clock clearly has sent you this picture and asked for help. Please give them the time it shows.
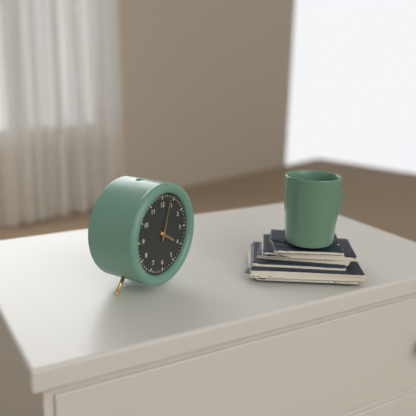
4:03
